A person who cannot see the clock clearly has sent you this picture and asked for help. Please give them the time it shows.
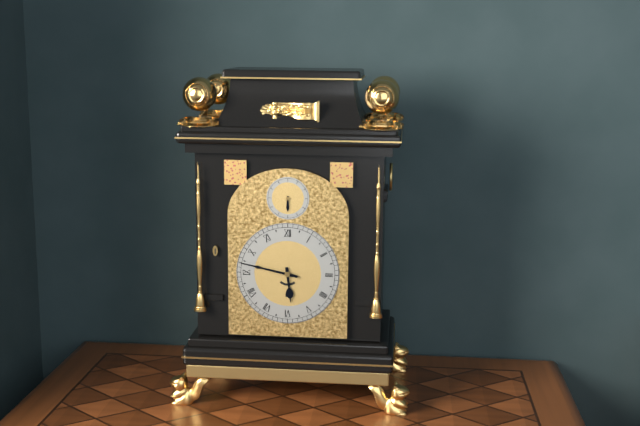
5:47
